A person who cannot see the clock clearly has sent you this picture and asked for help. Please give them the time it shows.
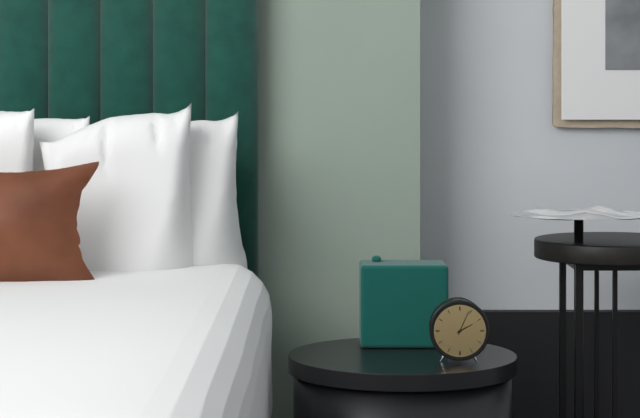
2:04
